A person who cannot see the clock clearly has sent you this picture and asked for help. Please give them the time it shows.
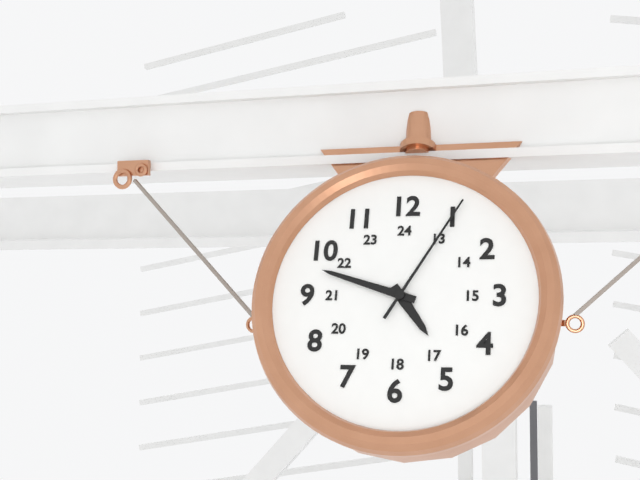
4:48:05
